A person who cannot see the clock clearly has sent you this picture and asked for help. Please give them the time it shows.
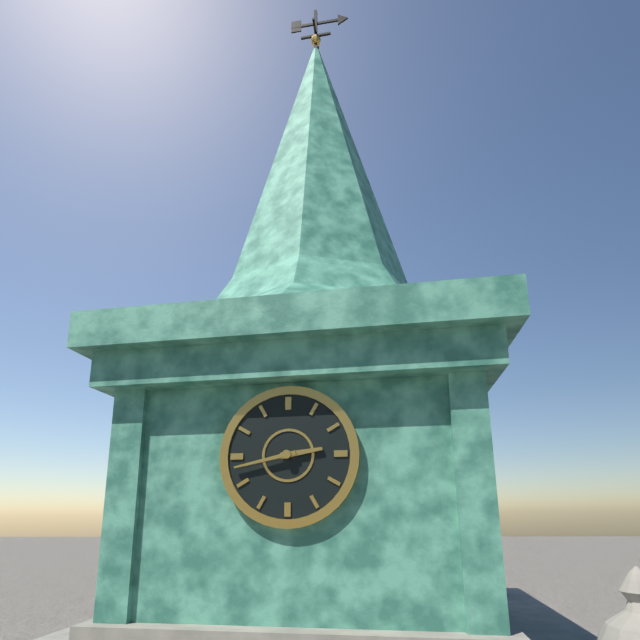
2:43
